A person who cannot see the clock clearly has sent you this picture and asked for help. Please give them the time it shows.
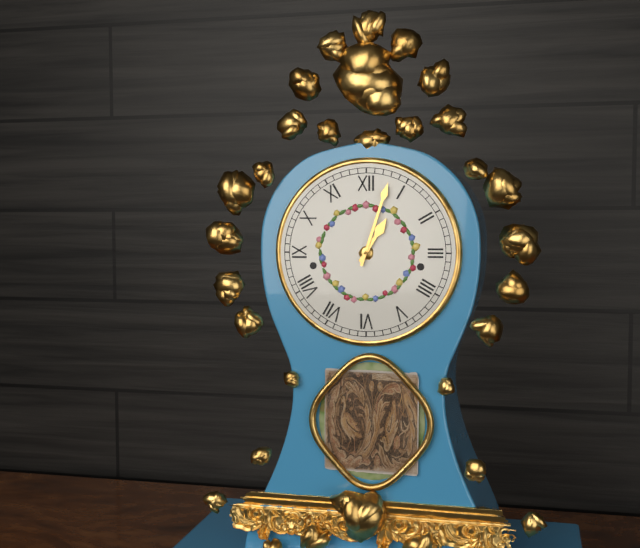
1:03
